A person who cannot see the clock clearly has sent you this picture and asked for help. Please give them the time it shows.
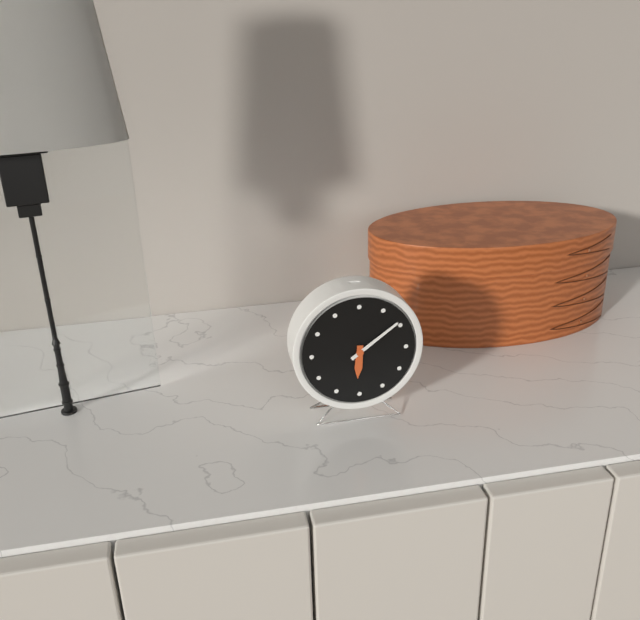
6:09
